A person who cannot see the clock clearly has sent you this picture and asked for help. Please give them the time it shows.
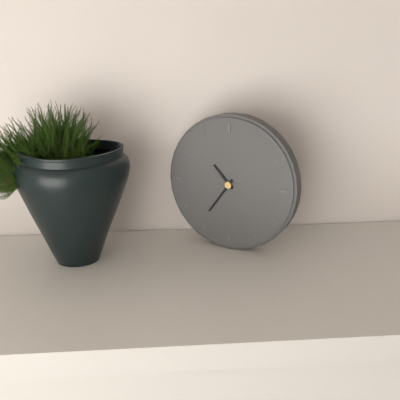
10:36
